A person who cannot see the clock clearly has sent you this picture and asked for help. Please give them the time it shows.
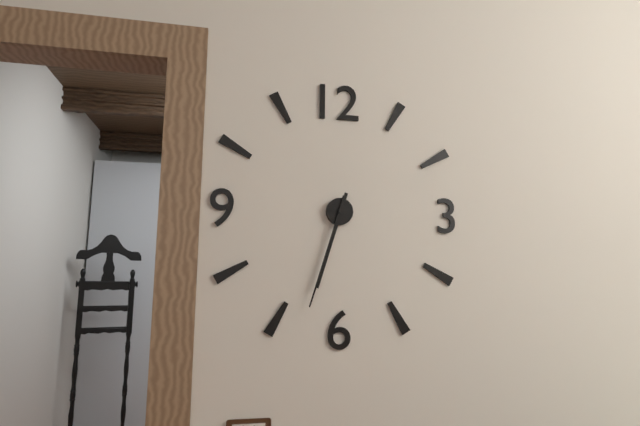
6:33
